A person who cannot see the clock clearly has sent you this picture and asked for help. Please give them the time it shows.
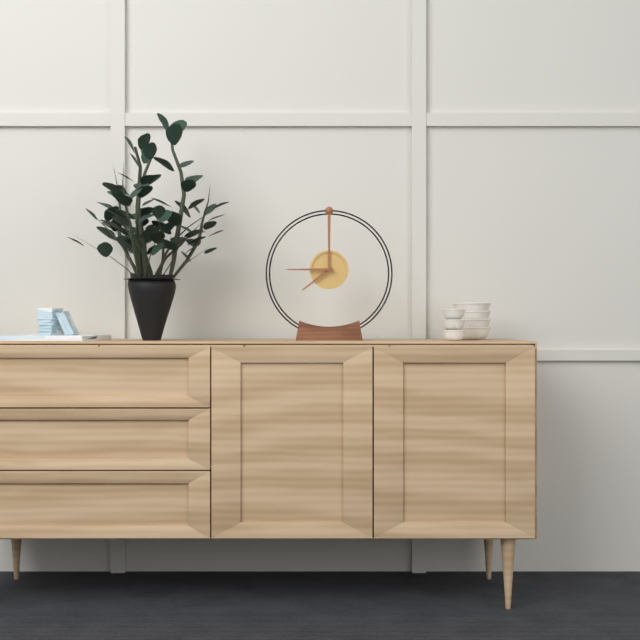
7:45
